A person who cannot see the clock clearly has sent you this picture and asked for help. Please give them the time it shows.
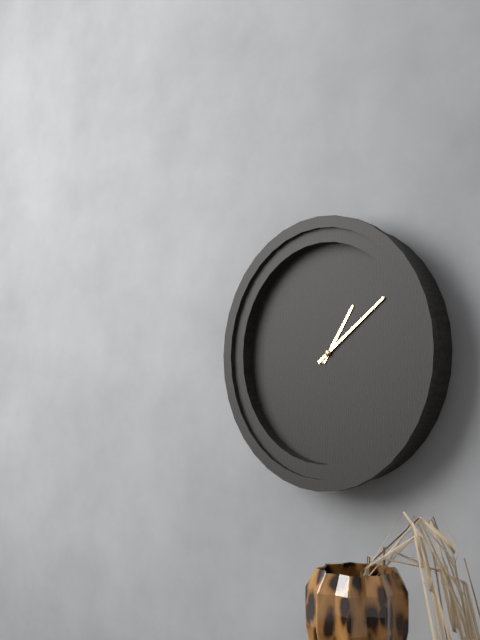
1:09
